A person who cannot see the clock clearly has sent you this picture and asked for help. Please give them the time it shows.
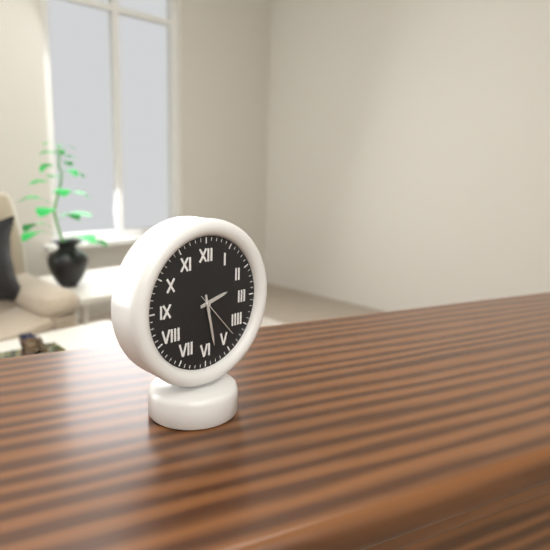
2:28:23
